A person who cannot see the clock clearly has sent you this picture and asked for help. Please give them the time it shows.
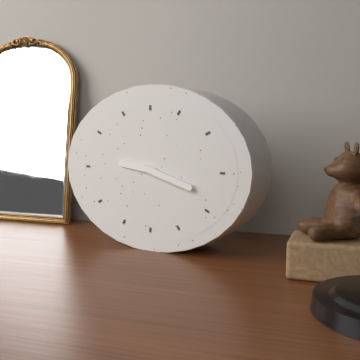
9:18
